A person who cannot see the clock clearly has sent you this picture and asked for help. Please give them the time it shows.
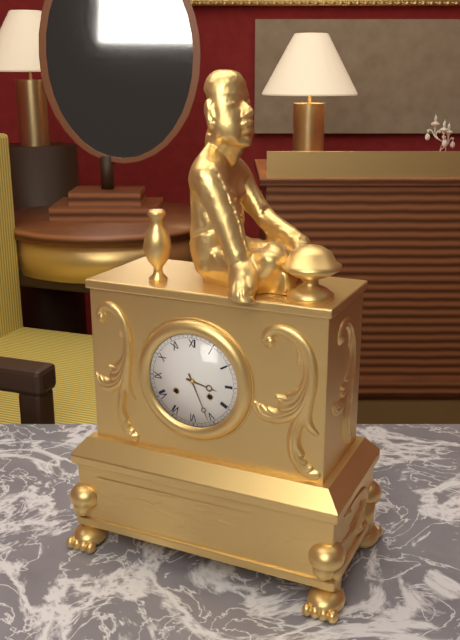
3:26
